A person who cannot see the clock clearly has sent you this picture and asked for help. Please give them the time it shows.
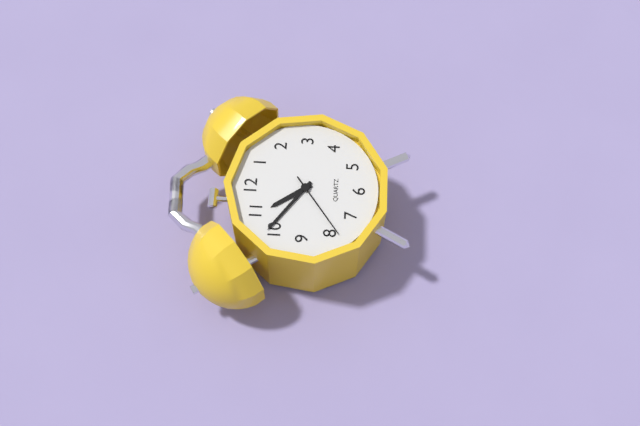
10:51:39
